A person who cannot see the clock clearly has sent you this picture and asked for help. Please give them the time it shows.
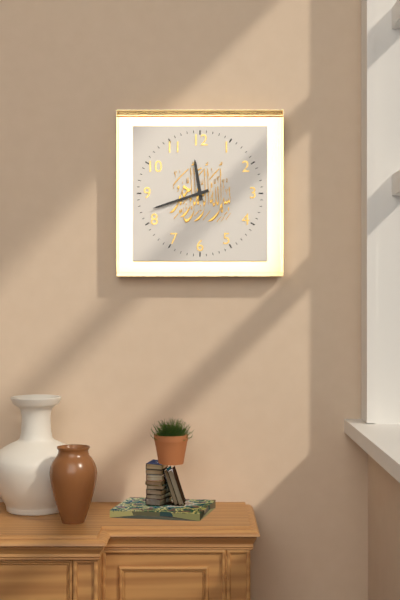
11:42
